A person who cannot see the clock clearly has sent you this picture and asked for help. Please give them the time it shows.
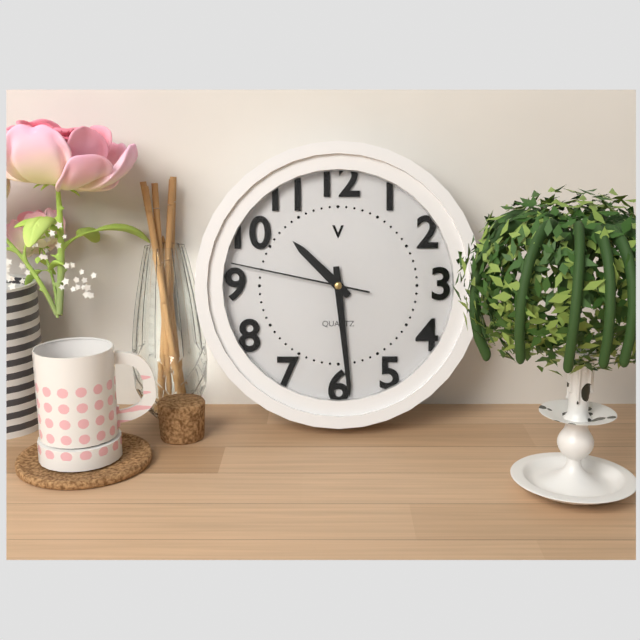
10:29:47
